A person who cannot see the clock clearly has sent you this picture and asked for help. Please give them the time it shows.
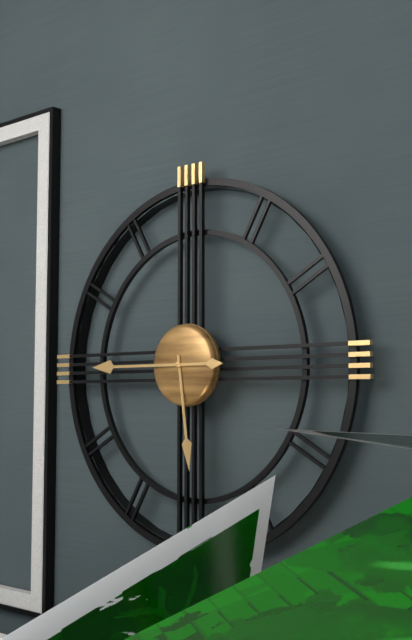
5:45
